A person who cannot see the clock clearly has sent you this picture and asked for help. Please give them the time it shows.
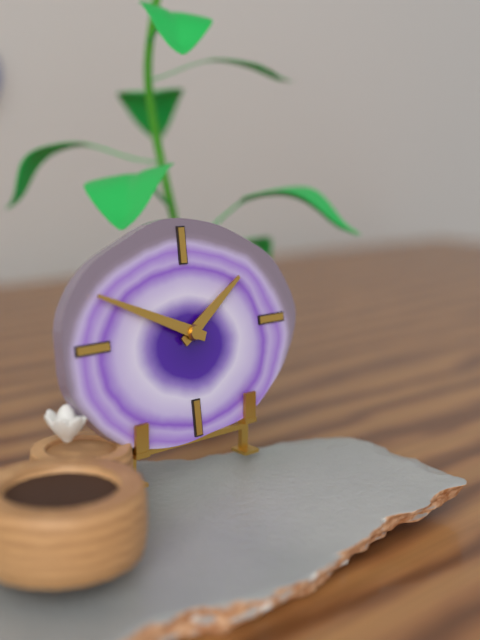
1:49
